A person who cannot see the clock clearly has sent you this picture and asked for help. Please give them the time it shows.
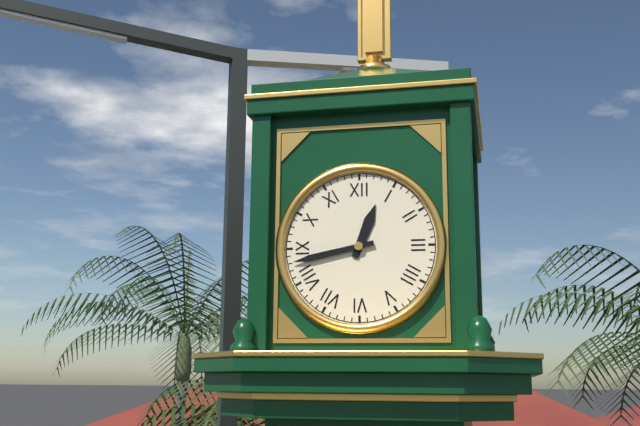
12:43
